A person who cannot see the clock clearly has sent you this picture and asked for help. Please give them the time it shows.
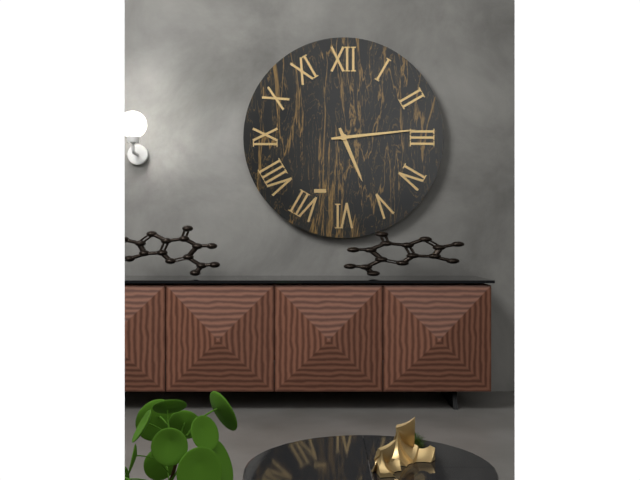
5:14
